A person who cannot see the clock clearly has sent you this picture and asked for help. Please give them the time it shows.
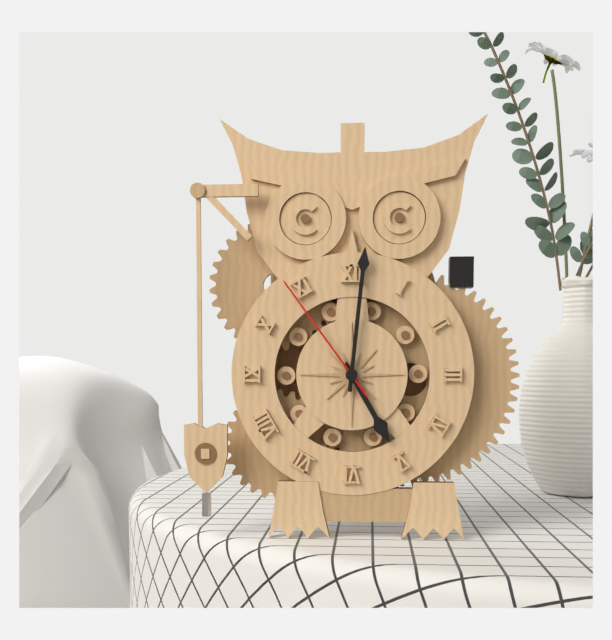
5:01:54
